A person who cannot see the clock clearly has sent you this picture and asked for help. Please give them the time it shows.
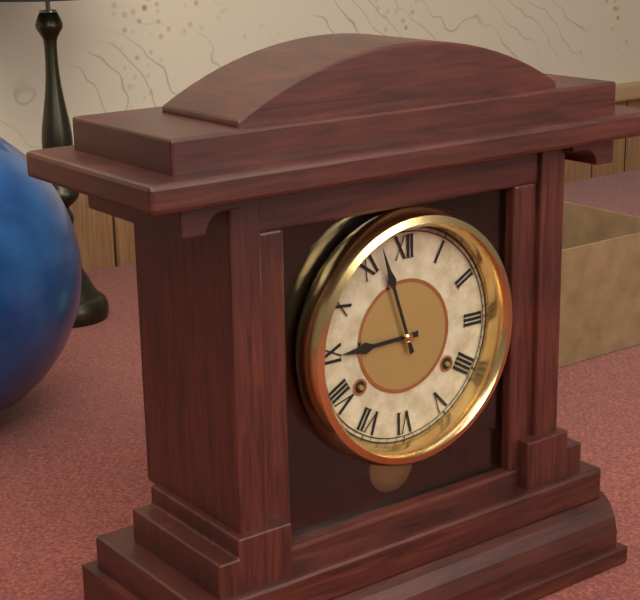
8:57
